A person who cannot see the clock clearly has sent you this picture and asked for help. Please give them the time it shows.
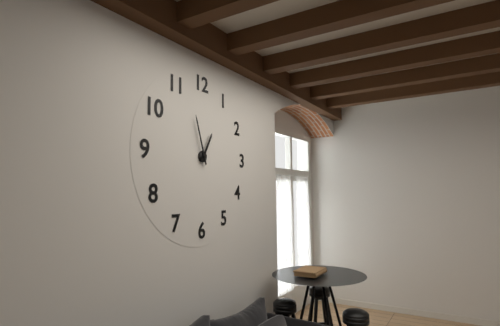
12:57
